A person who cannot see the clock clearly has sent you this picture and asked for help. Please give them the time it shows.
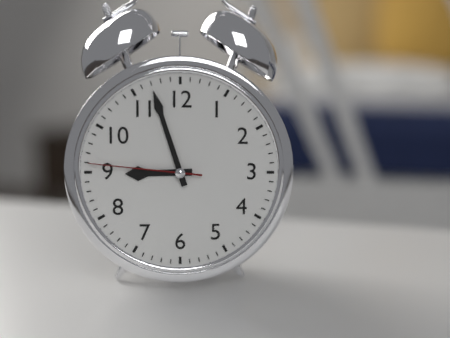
8:57:46
